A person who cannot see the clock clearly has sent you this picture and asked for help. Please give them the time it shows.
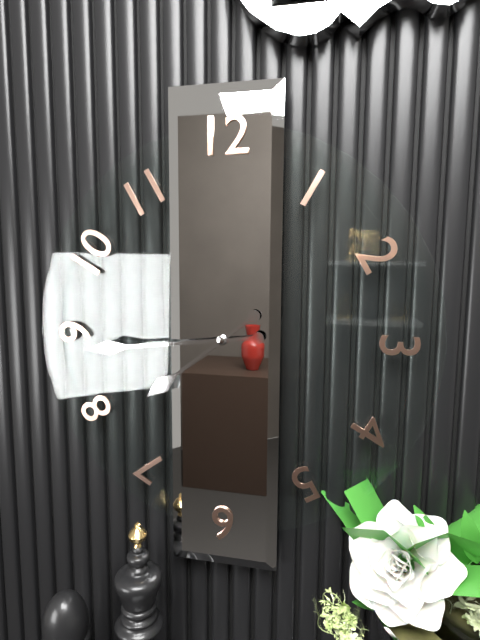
7:44
